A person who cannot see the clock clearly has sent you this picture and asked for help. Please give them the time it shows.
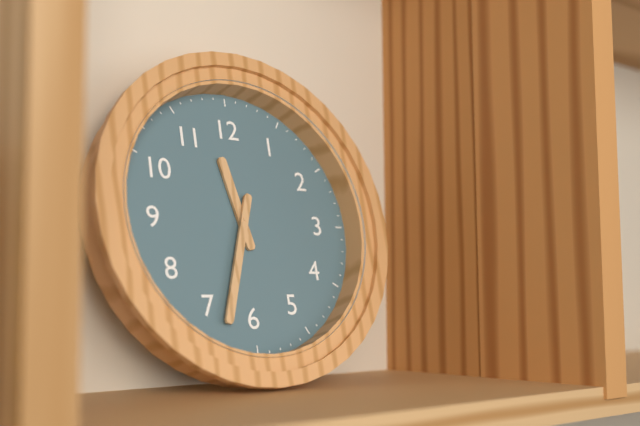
11:33
